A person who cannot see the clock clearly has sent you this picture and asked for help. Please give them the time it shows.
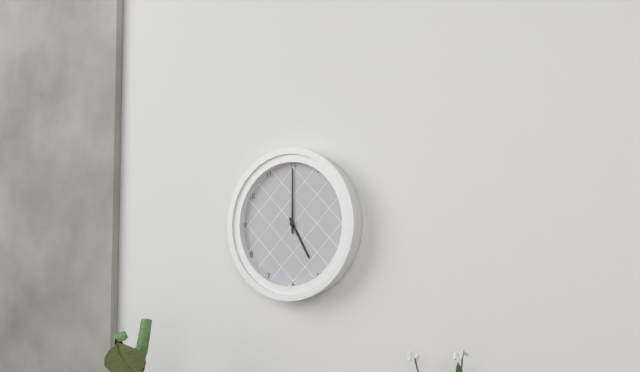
5:00
